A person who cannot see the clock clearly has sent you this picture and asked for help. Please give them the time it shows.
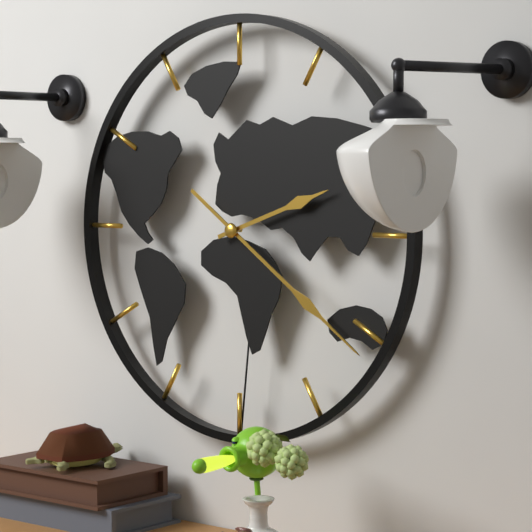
2:21
